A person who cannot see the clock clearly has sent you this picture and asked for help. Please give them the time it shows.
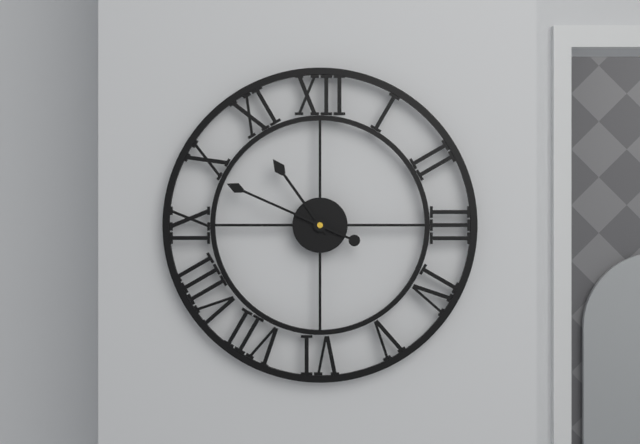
10:49
